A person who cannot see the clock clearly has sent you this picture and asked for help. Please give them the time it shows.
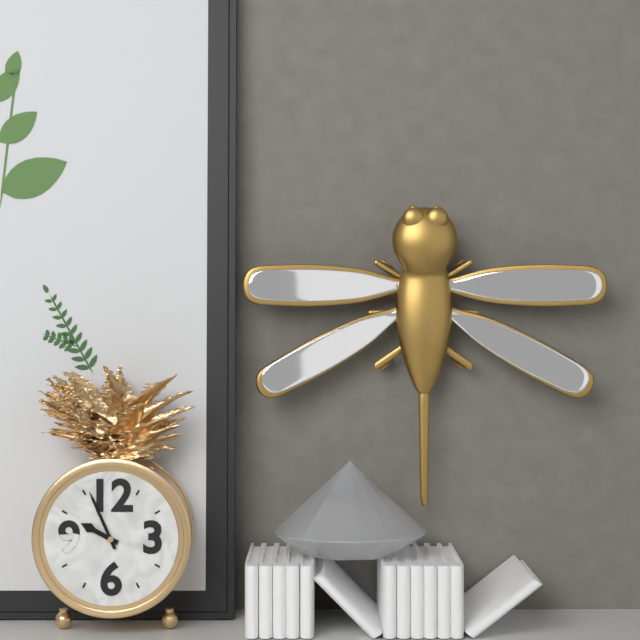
9:56
